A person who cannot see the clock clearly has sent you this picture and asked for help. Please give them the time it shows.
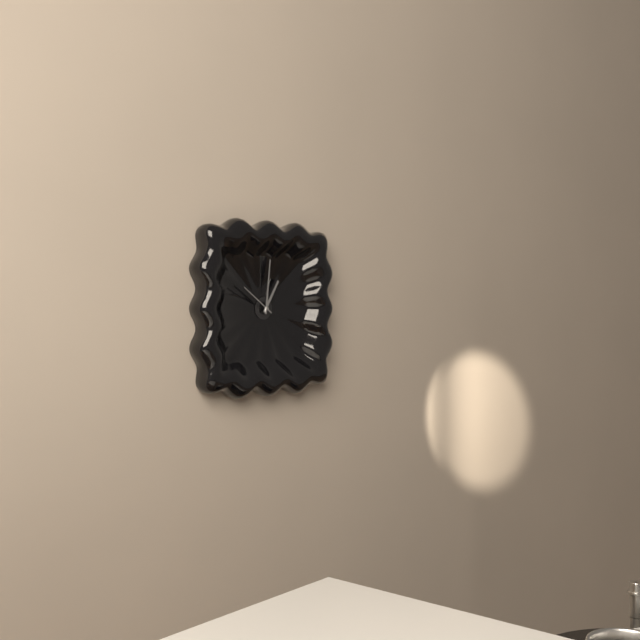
1:01
